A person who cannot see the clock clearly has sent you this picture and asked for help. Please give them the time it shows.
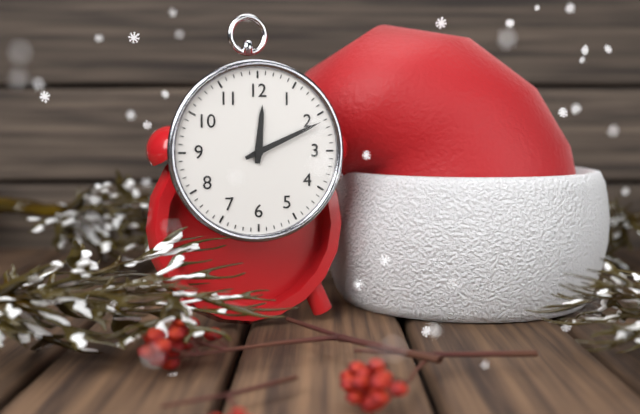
12:11
